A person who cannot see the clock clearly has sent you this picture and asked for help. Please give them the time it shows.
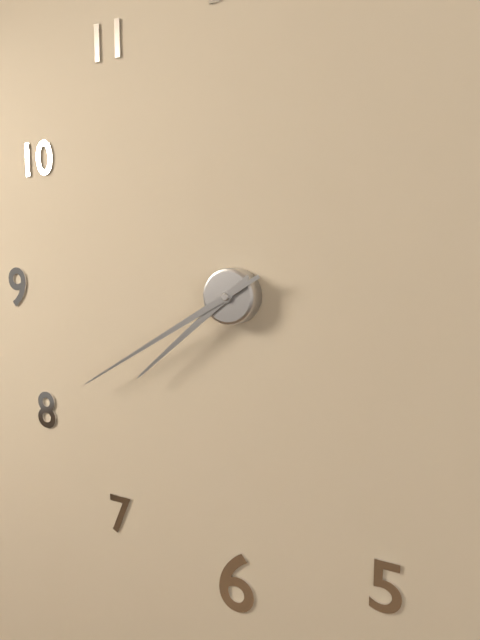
7:40
